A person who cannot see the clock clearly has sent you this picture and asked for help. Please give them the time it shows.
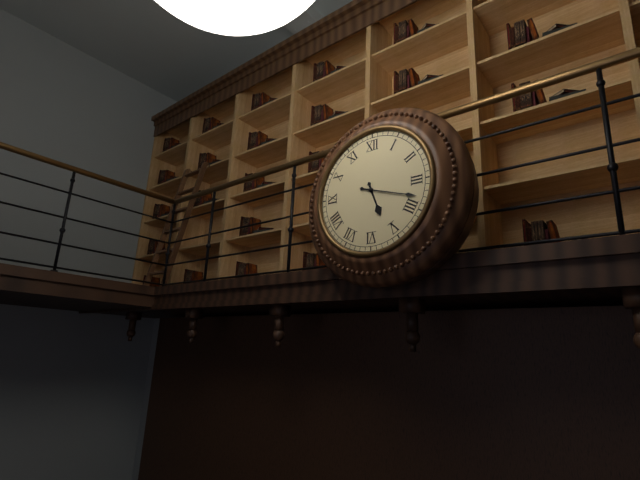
5:18
